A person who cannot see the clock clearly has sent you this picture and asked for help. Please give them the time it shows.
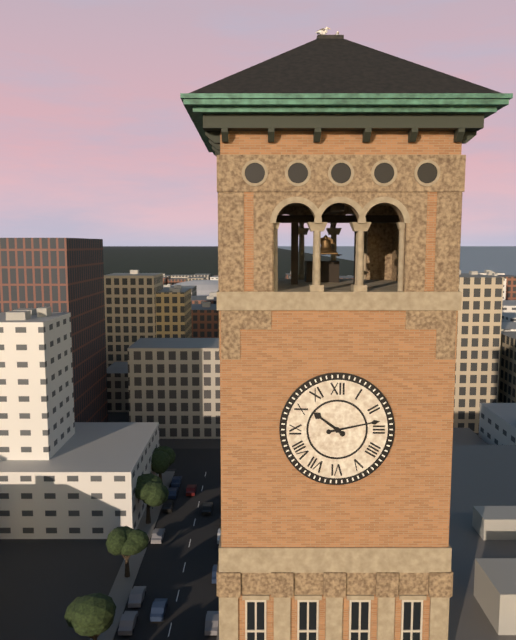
10:13
